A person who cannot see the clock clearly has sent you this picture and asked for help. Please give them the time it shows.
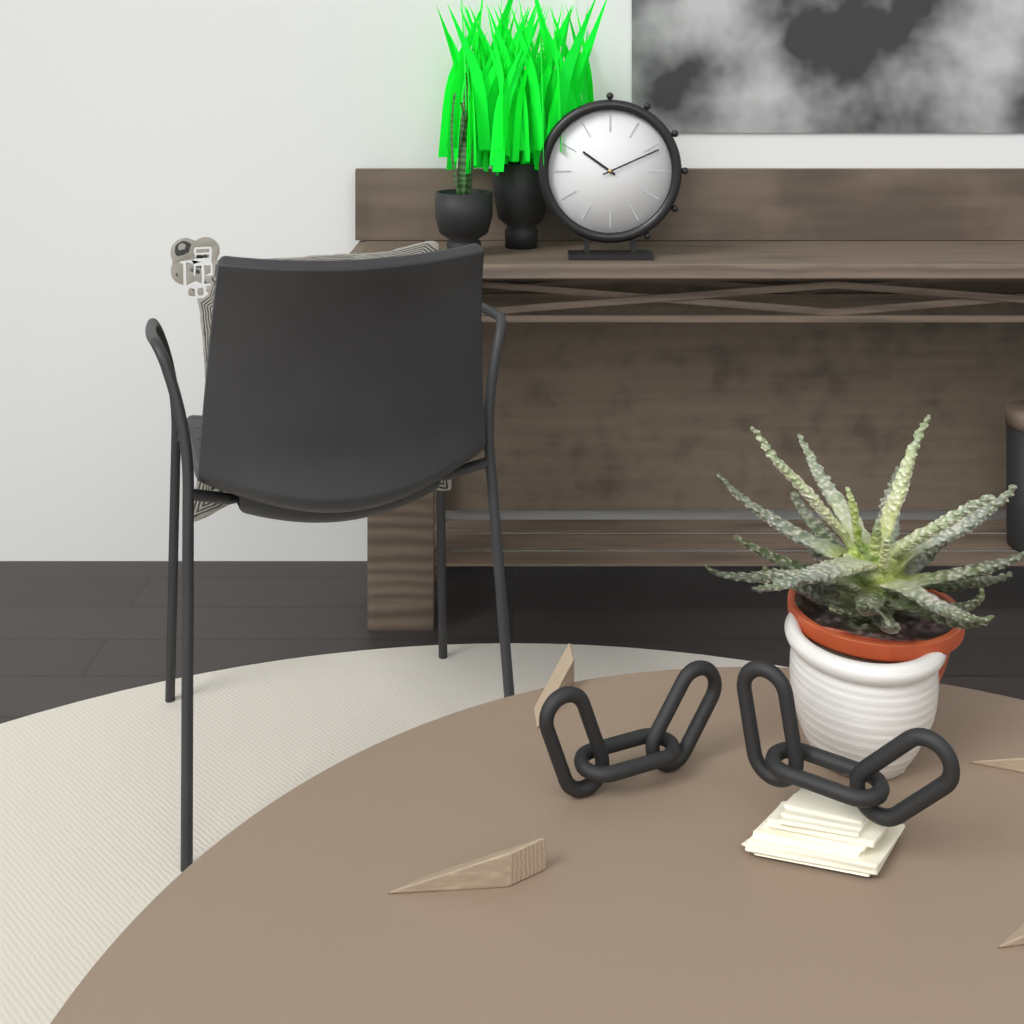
10:11
